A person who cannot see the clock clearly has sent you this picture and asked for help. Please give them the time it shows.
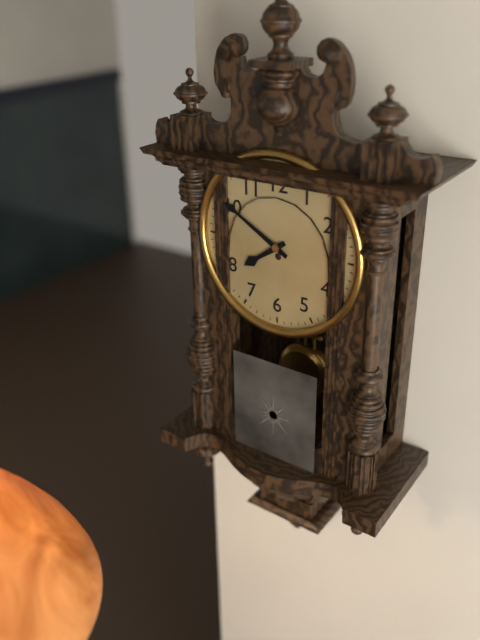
7:50
